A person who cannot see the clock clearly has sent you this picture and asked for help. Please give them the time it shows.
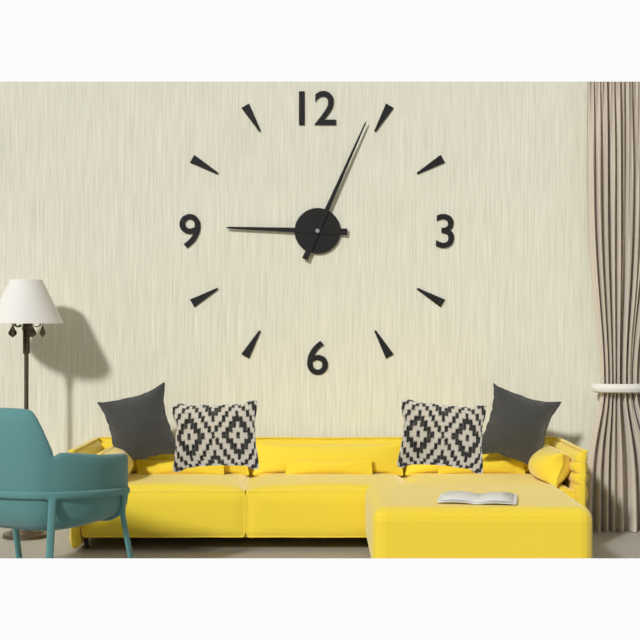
9:04
